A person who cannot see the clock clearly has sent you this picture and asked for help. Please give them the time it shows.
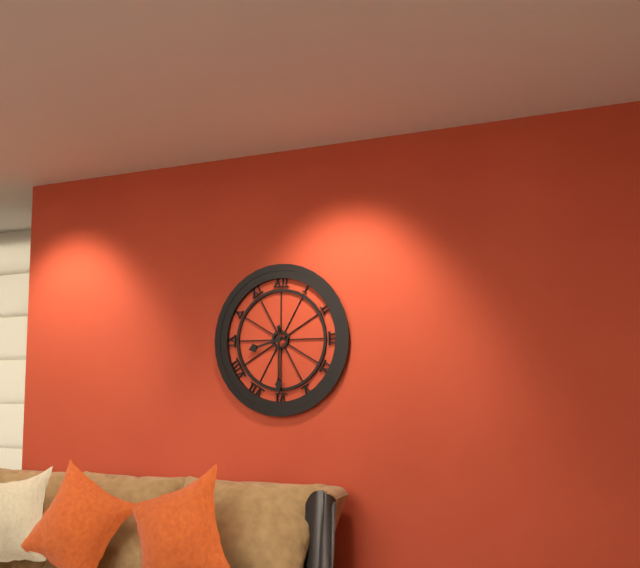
8:30
